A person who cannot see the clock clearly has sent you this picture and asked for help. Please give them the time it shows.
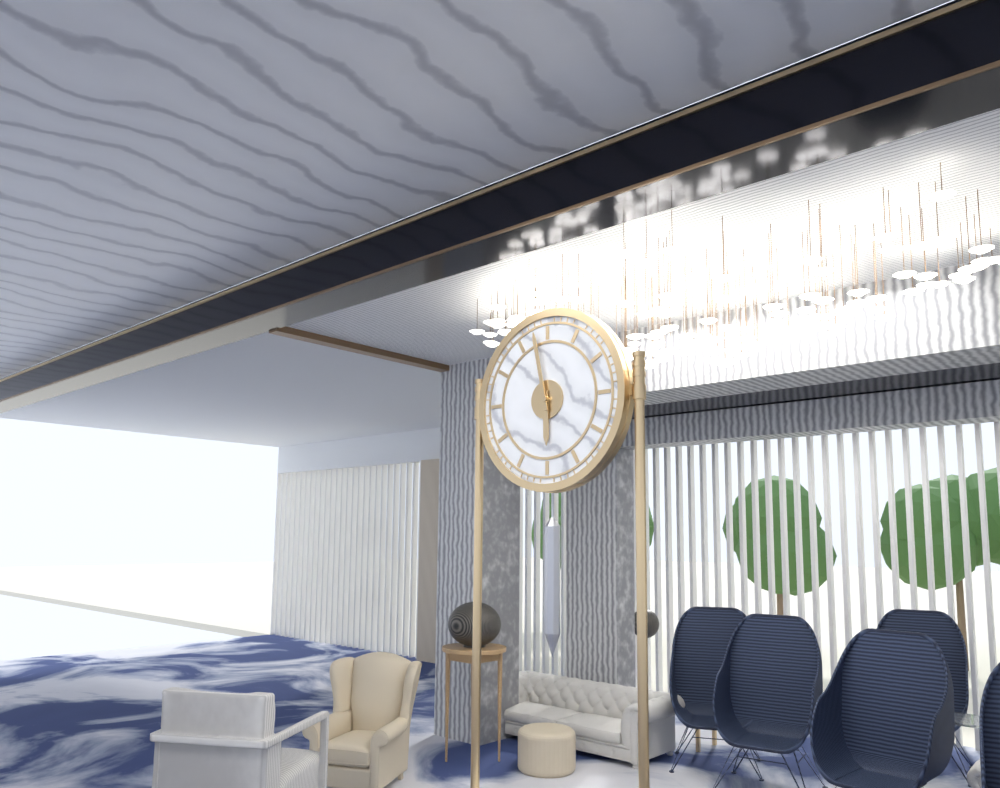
5:58
